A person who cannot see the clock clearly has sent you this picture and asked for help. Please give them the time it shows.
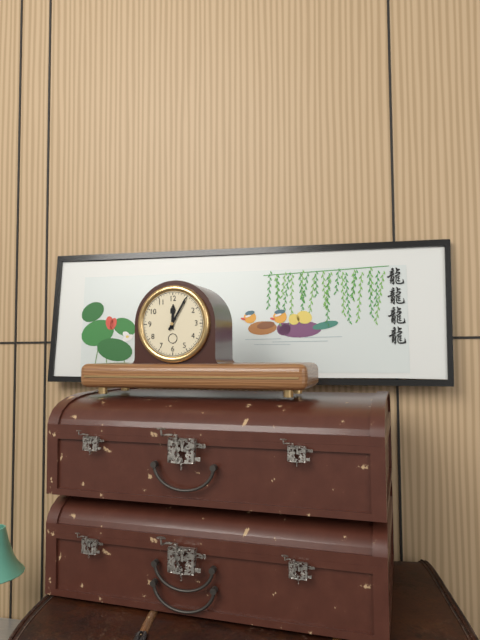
12:05
